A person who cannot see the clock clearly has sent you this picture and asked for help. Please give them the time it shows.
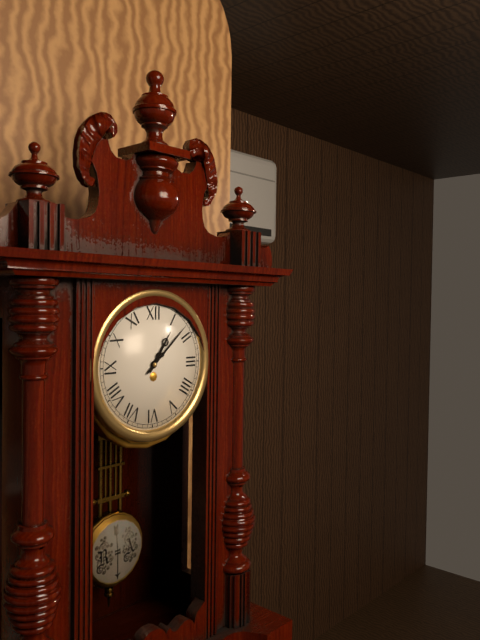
1:08
